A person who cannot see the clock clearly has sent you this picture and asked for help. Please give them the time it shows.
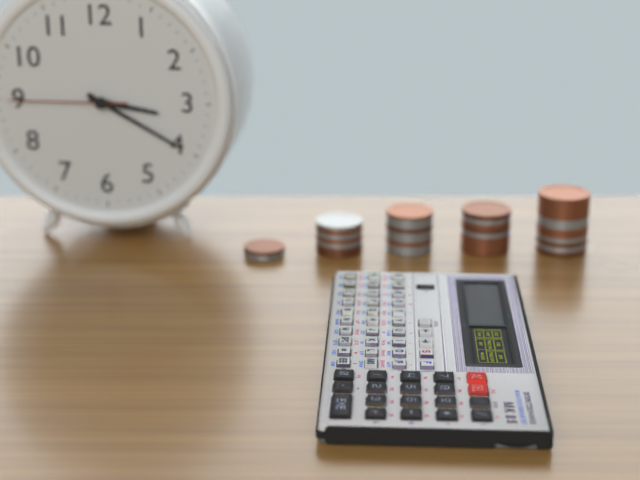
3:20:45
